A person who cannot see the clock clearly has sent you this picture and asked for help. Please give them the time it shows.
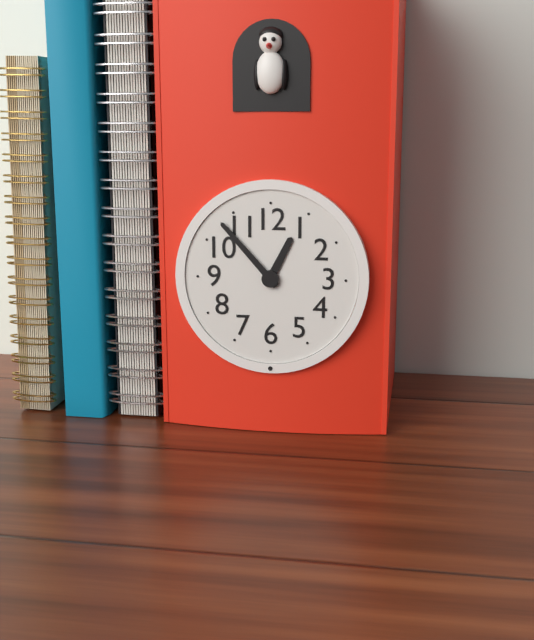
12:53
